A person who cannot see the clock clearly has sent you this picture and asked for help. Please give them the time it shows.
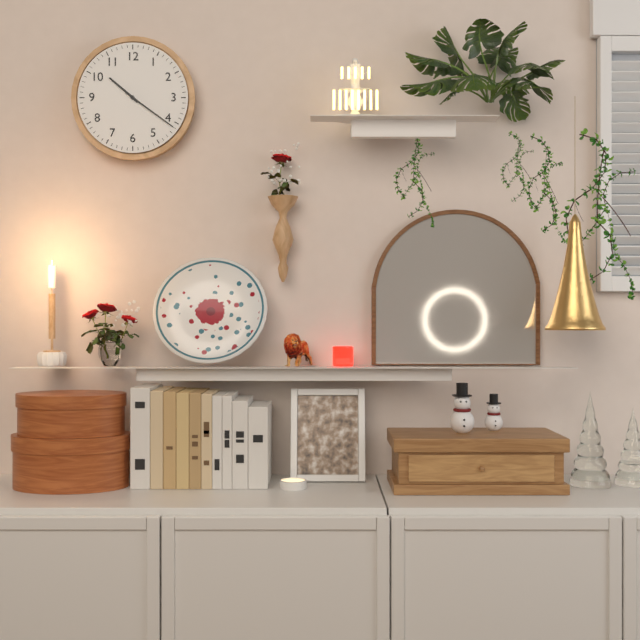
10:21
